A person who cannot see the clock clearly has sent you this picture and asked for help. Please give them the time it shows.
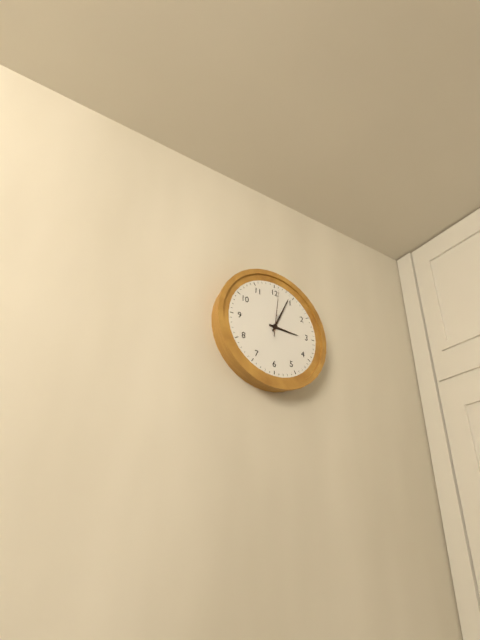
3:04
